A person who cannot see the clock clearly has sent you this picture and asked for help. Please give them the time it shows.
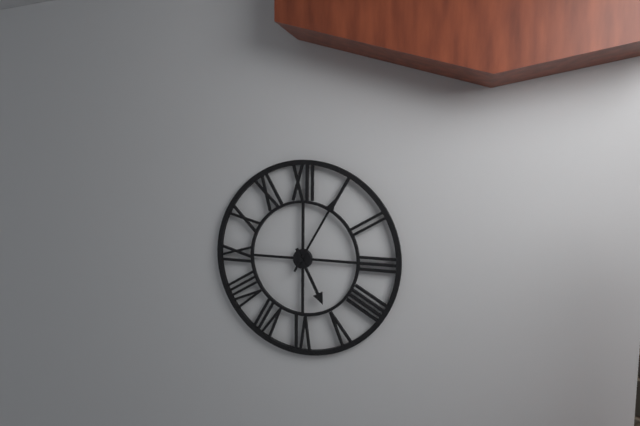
5:05
